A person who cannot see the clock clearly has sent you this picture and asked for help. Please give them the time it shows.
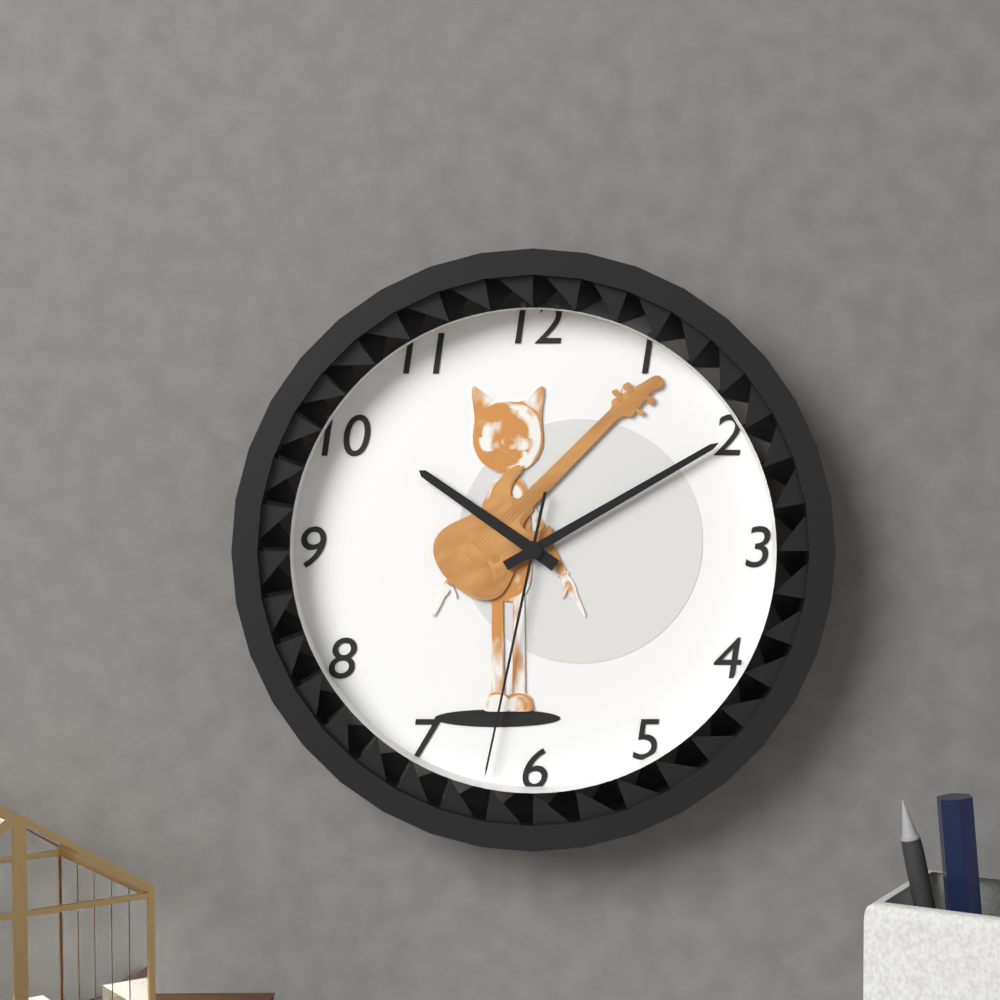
10:10:32
